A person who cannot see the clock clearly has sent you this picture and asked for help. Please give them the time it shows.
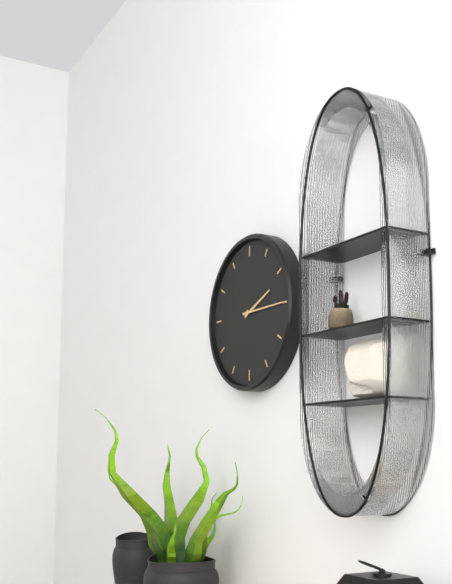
2:15
